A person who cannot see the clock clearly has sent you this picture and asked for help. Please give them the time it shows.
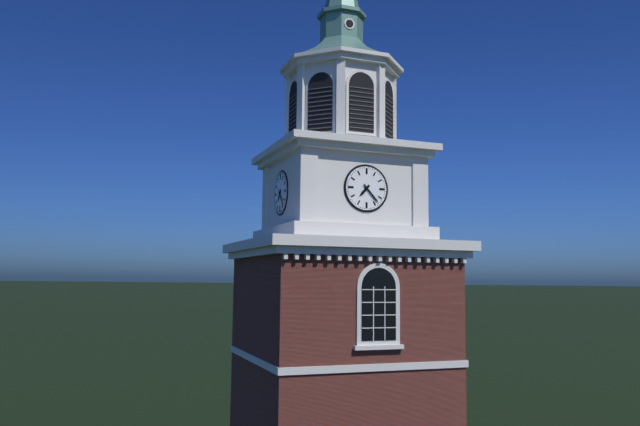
7:23
